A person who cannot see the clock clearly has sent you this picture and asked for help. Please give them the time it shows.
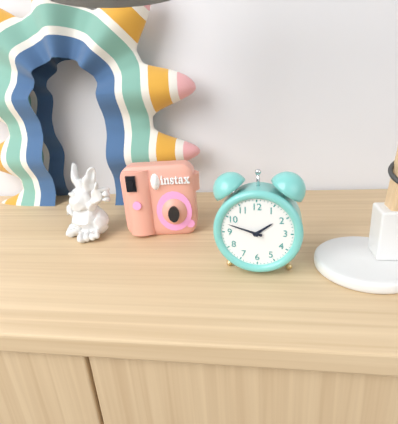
1:48
